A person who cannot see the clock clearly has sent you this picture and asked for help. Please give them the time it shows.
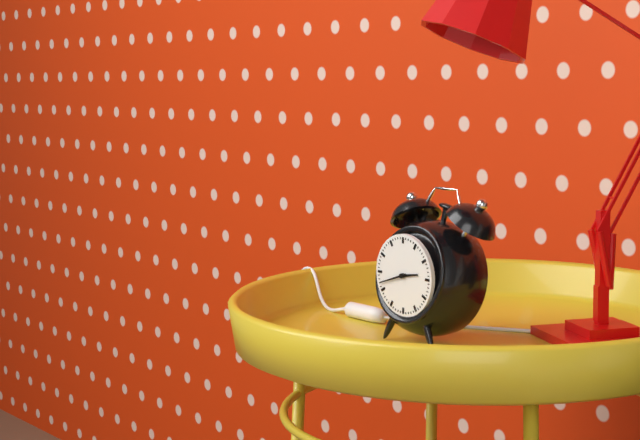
2:42
